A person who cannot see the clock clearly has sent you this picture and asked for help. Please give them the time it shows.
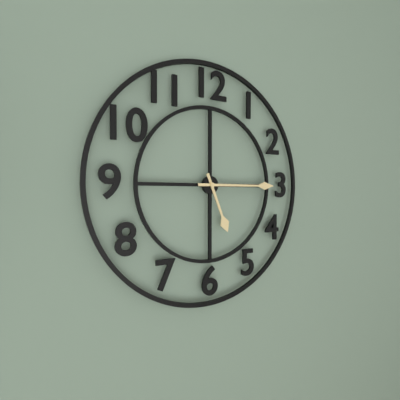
5:15
